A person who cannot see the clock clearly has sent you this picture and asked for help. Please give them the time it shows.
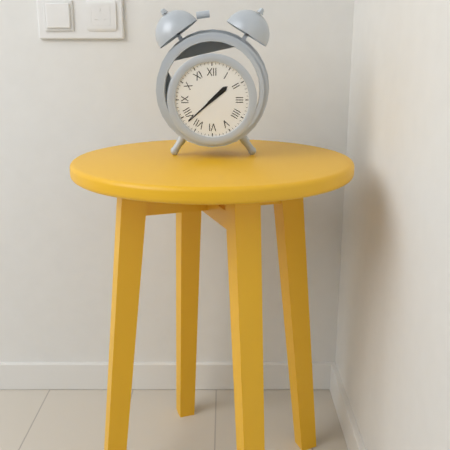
1:38
